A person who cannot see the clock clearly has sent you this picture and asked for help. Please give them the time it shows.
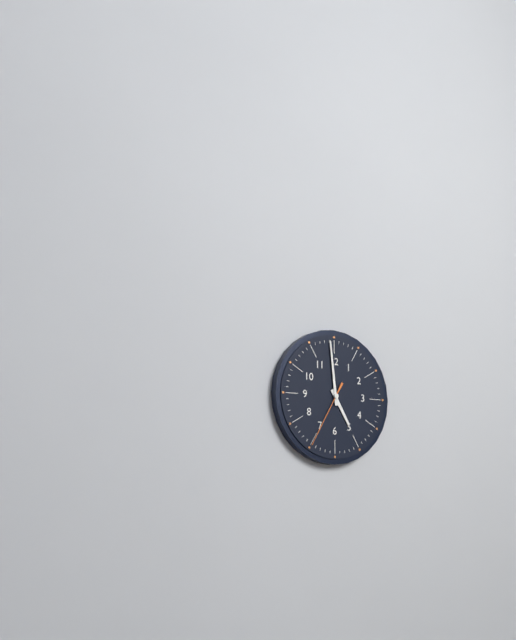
4:59:35
